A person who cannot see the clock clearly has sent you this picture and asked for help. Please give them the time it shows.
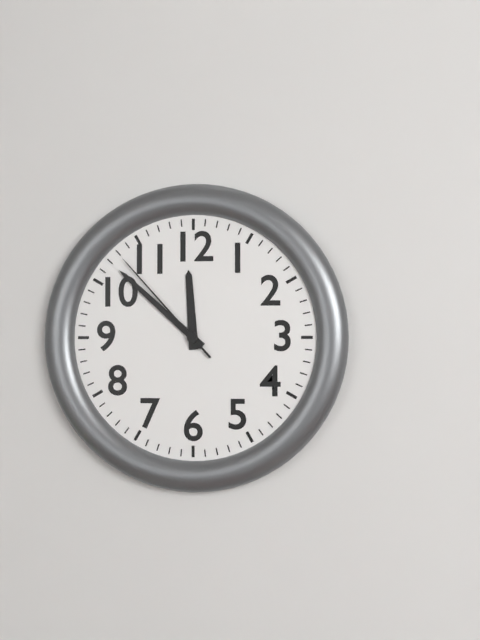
11:52:53
